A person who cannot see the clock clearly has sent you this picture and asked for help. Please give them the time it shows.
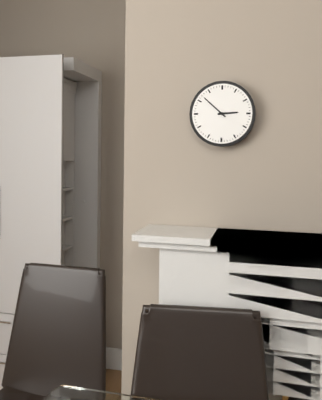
2:52
